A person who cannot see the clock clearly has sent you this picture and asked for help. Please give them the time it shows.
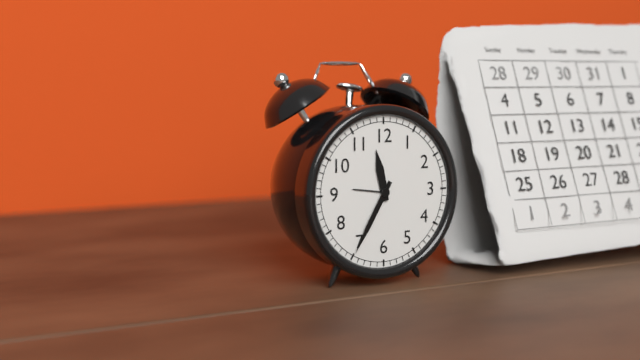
11:35
